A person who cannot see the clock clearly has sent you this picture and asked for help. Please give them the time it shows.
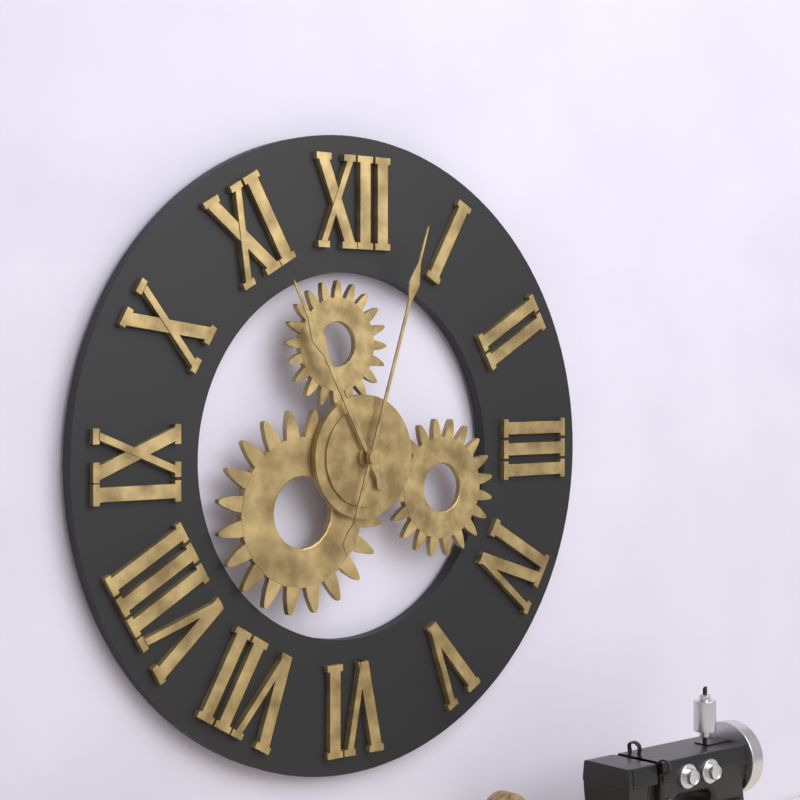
11:03
